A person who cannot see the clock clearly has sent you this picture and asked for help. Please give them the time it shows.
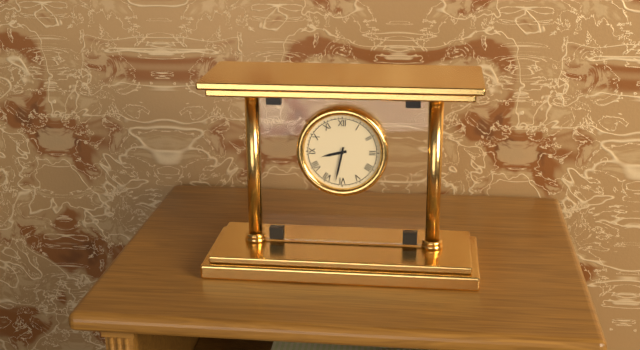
8:32
